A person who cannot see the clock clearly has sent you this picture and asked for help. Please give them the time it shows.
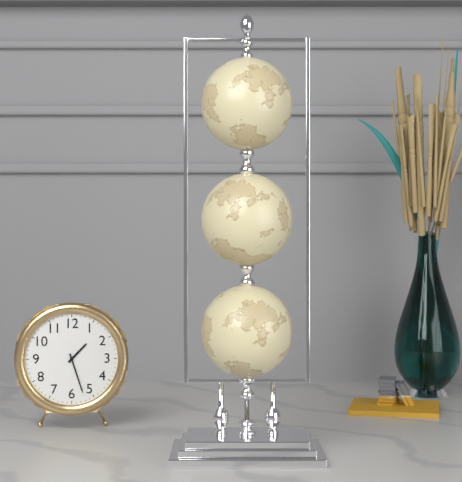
1:27
